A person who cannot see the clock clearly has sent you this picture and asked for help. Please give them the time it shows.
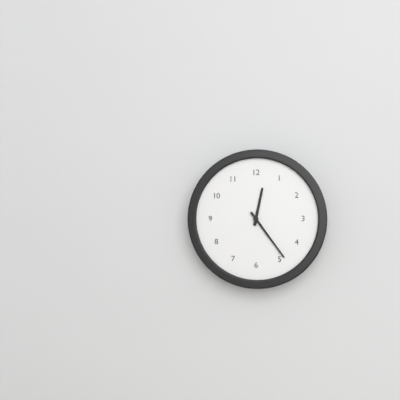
12:24
